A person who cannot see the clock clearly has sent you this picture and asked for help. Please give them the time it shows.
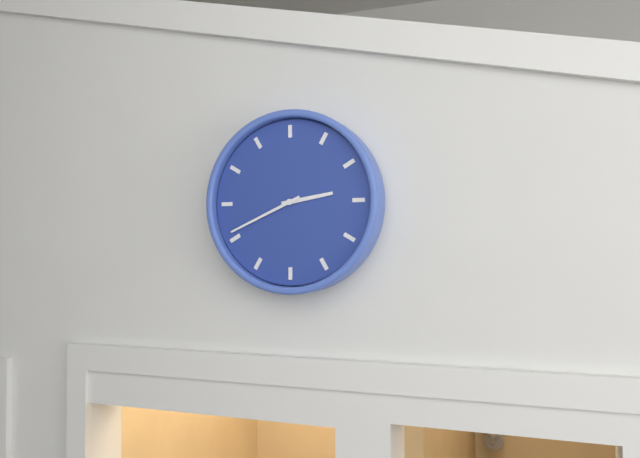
2:41
